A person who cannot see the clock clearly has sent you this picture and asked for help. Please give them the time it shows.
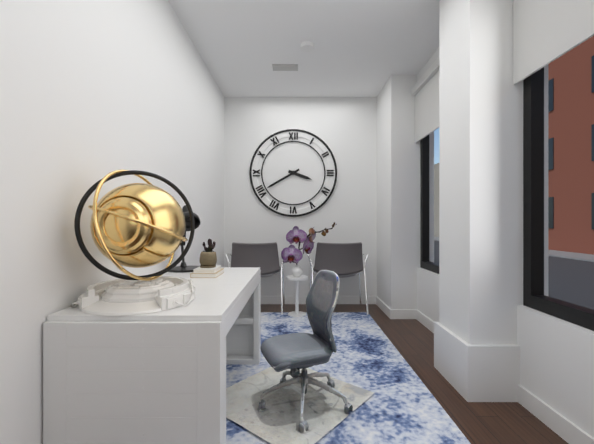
3:40
